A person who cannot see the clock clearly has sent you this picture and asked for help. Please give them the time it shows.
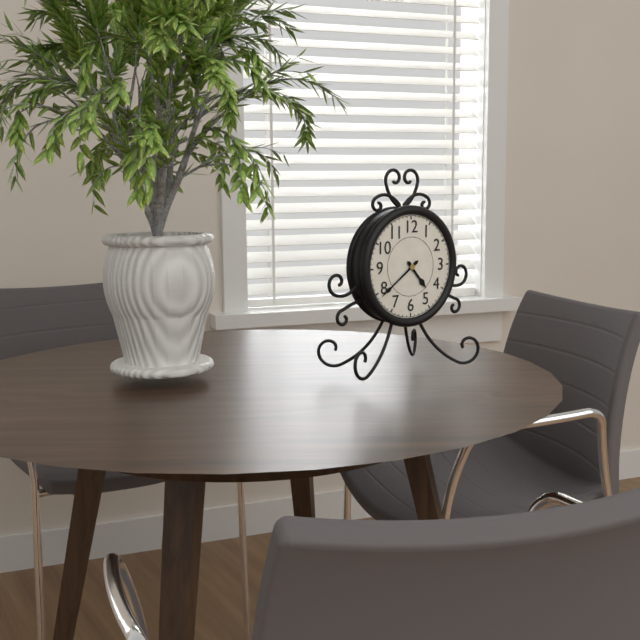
4:39
